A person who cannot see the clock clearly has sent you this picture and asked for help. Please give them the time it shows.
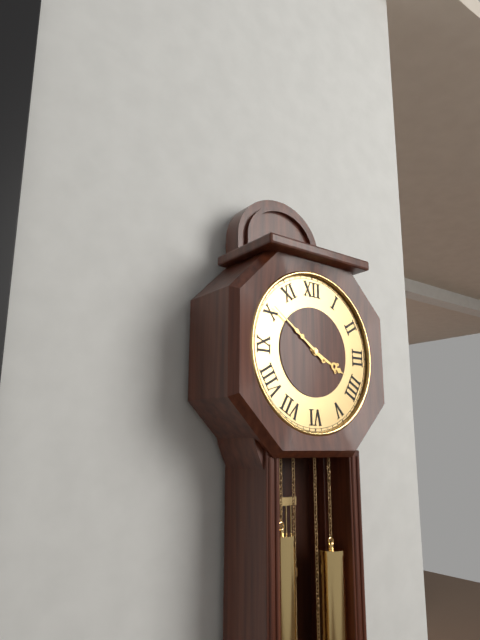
3:51
